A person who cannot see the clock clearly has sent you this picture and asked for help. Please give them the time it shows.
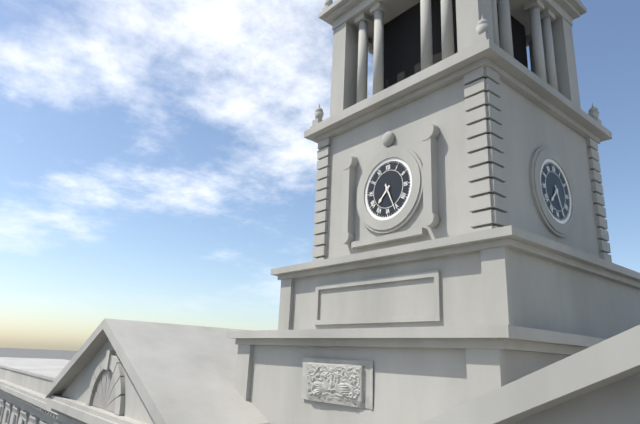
7:26
